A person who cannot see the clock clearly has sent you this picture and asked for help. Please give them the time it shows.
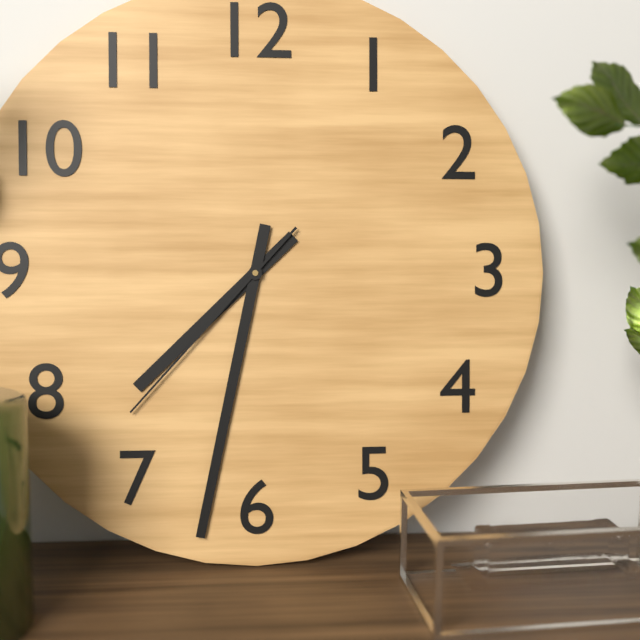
7:32:37
